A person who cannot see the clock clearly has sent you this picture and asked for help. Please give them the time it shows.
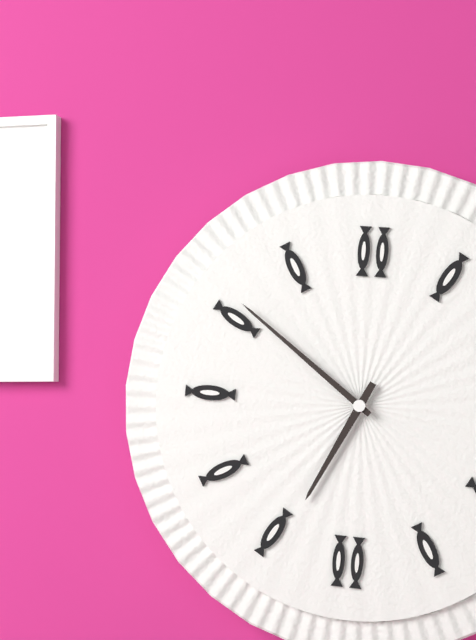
6:51
